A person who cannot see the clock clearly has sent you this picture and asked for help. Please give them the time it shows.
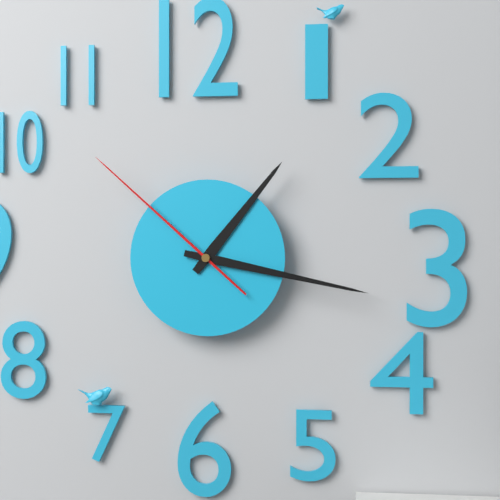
1:17:52
